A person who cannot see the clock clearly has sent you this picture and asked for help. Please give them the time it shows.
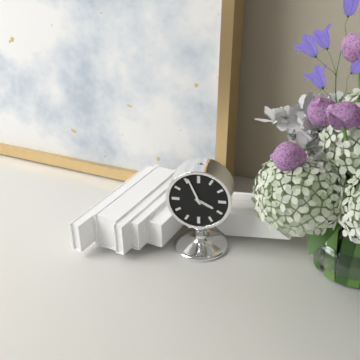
3:56
